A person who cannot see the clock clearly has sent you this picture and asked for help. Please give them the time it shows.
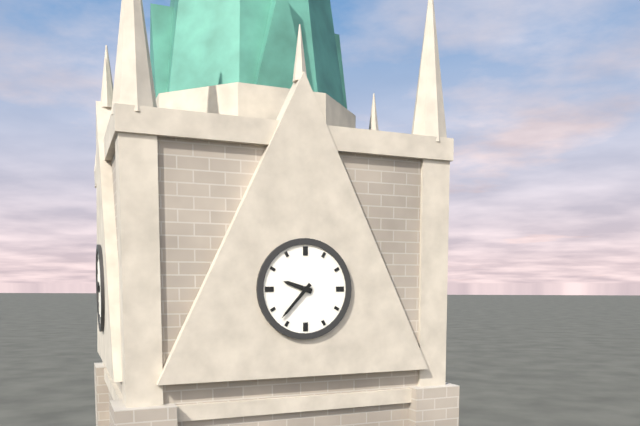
9:37
